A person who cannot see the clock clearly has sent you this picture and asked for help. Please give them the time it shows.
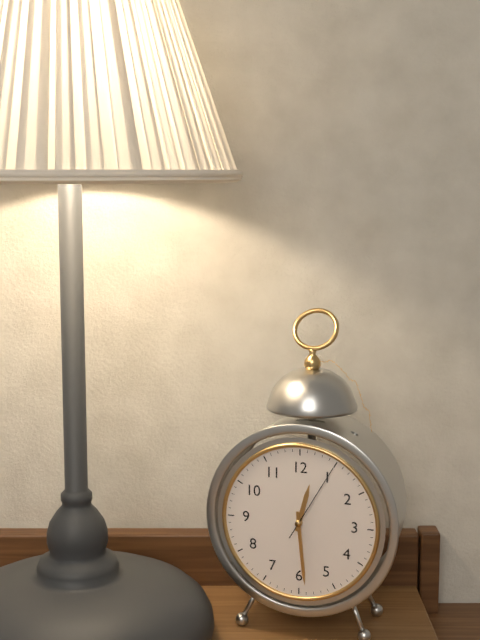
12:29:05
